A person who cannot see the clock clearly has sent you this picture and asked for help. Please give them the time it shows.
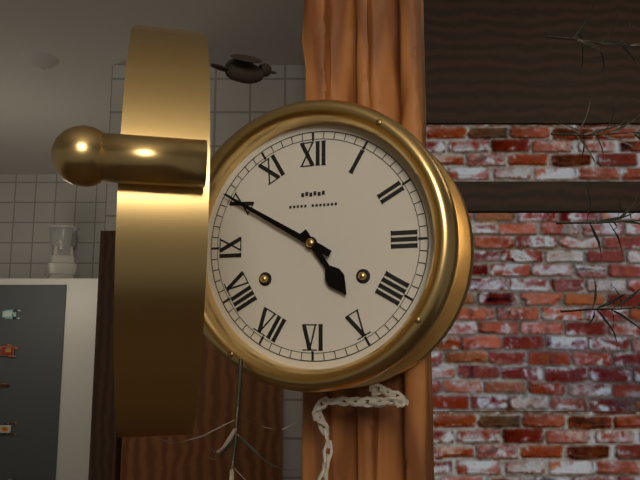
4:50
